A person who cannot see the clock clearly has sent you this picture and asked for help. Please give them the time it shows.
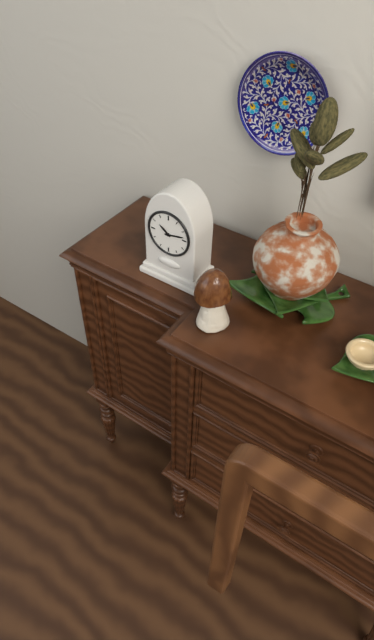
10:13
